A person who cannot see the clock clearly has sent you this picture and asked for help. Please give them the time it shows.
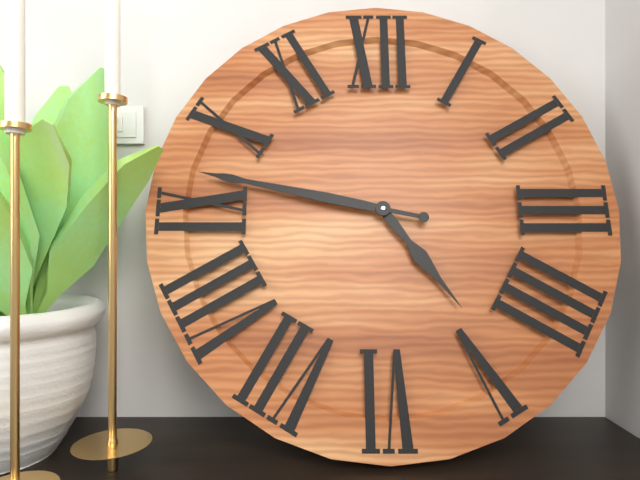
4:47
